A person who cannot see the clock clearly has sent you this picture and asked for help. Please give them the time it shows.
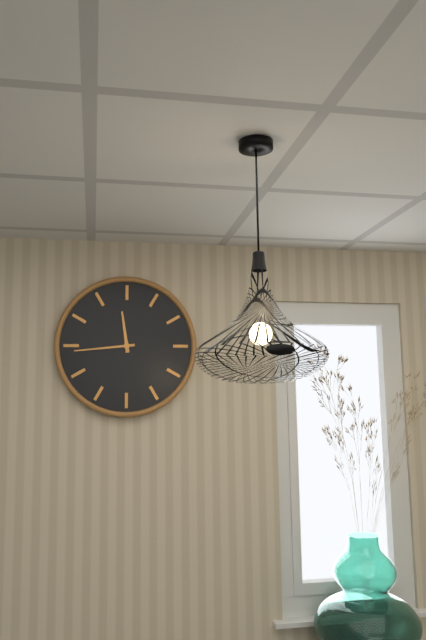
11:44
